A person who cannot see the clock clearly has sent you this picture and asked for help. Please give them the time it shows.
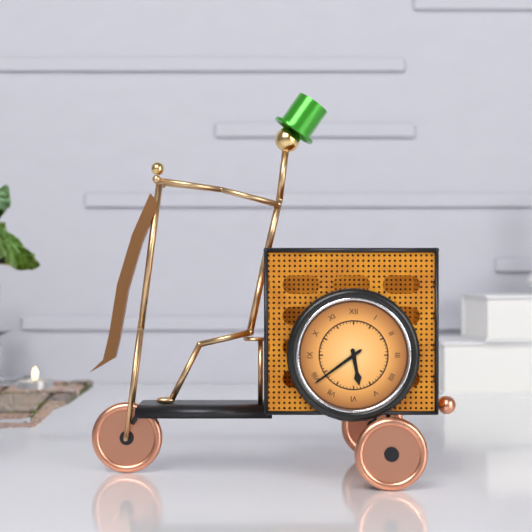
5:39
